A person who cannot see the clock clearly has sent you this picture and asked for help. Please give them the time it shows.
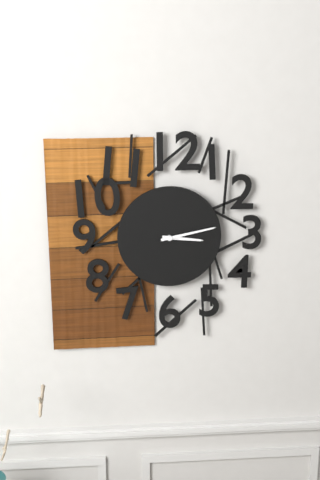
3:13
